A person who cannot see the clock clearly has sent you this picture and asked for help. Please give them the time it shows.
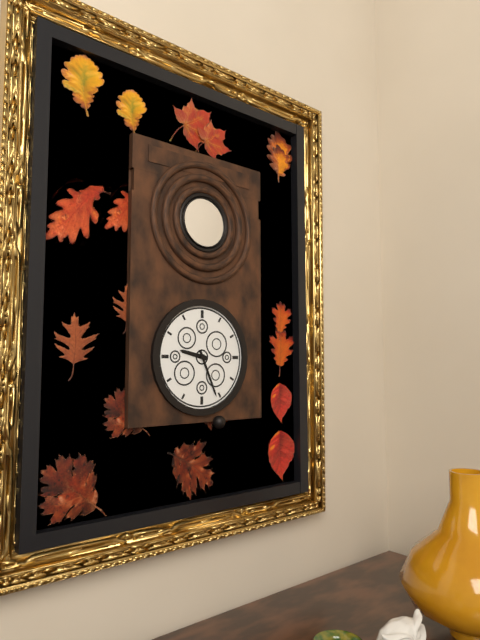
9:26
